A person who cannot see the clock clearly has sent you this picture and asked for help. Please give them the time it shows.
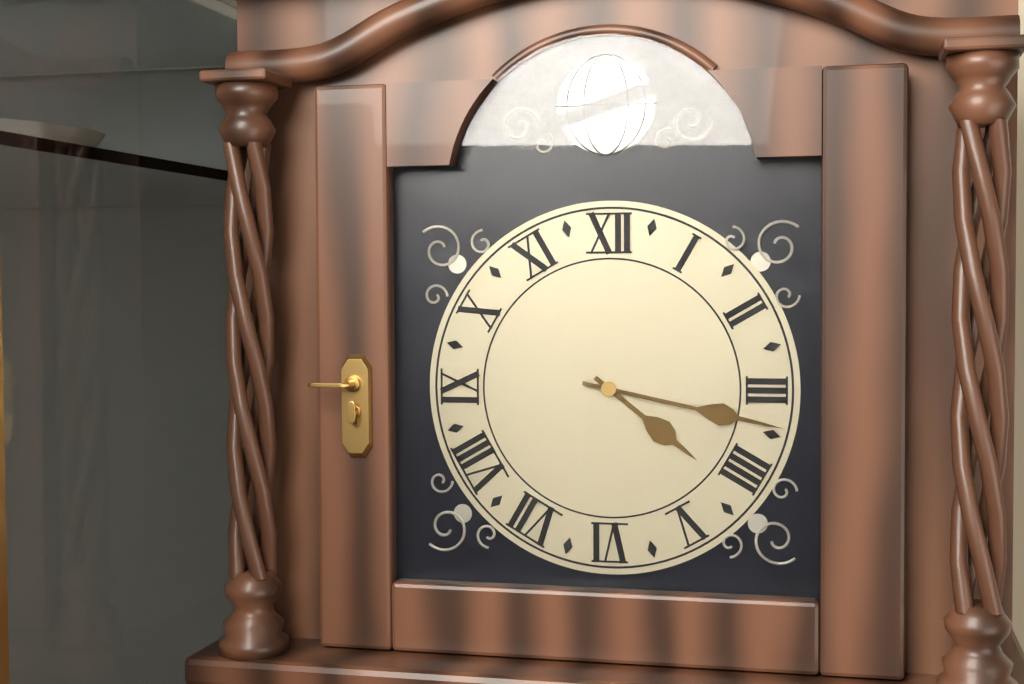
4:17
